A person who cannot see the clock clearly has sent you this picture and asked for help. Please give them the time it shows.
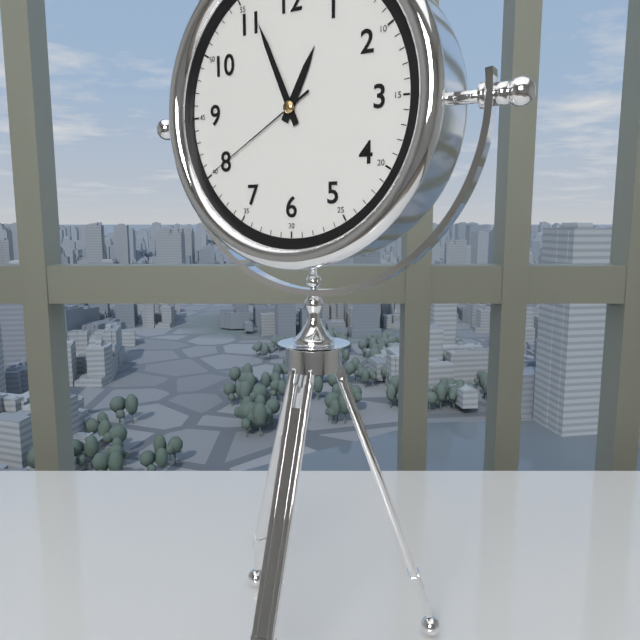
12:56:40
